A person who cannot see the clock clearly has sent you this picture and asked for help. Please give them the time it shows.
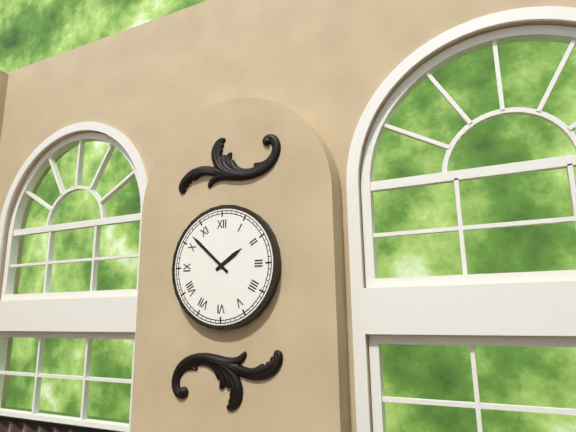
1:52
